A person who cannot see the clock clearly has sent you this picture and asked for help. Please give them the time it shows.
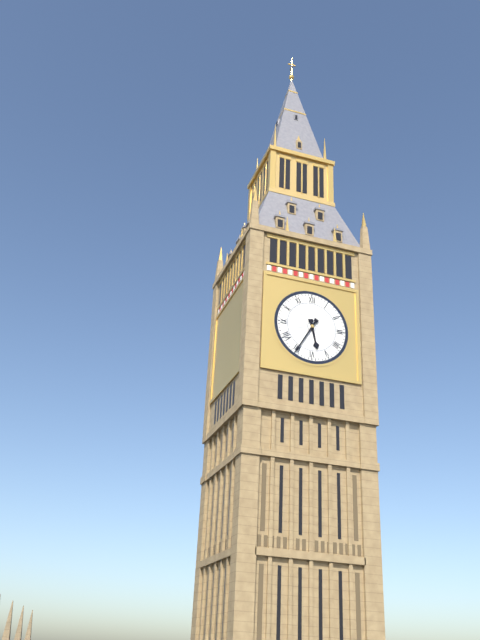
5:35
